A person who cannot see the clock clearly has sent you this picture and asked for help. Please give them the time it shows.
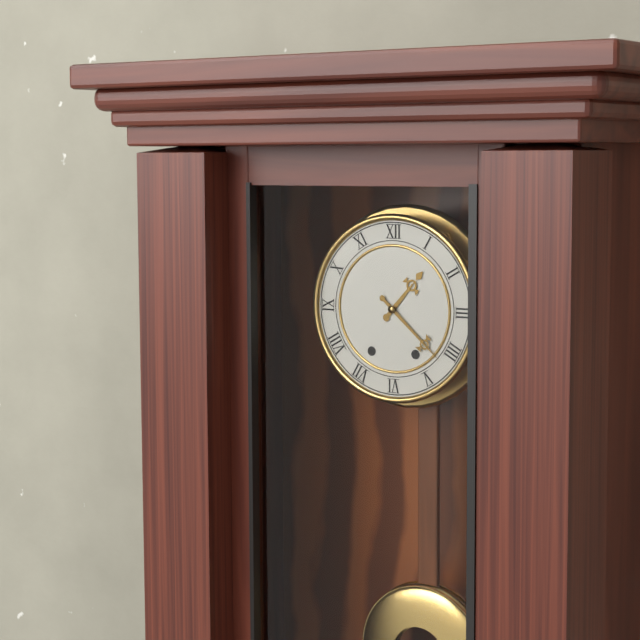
1:22
